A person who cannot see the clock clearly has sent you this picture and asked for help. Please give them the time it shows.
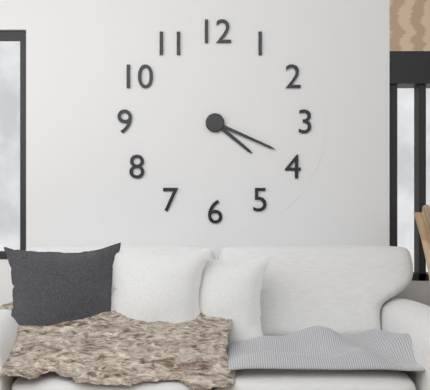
4:19
